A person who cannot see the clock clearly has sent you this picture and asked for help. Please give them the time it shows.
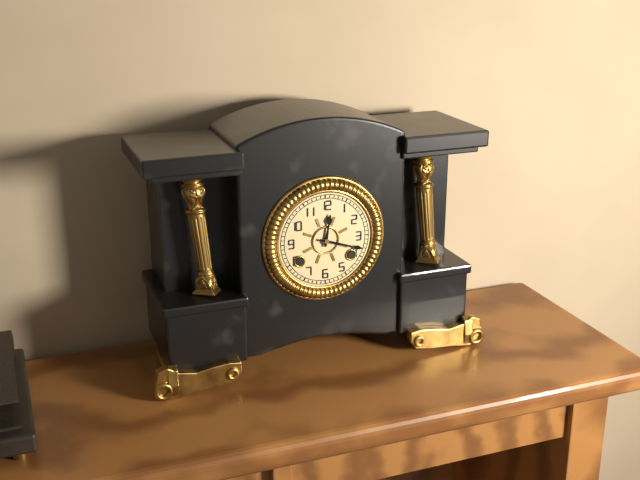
12:18
